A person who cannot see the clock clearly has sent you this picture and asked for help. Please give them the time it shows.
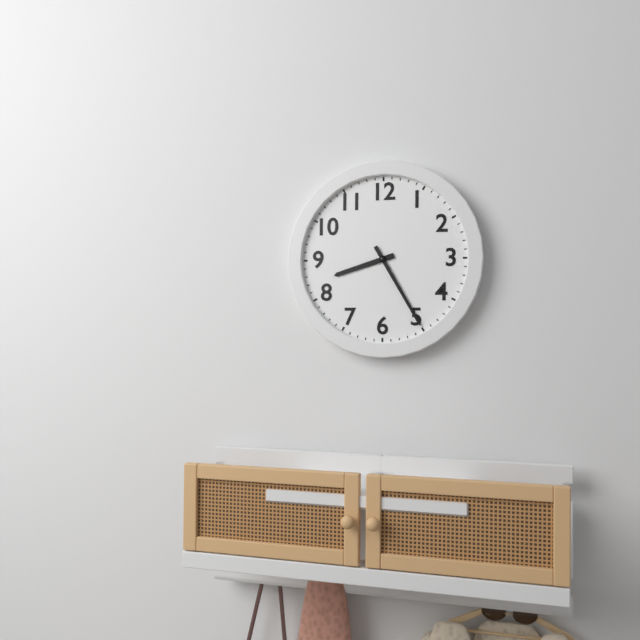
8:25
